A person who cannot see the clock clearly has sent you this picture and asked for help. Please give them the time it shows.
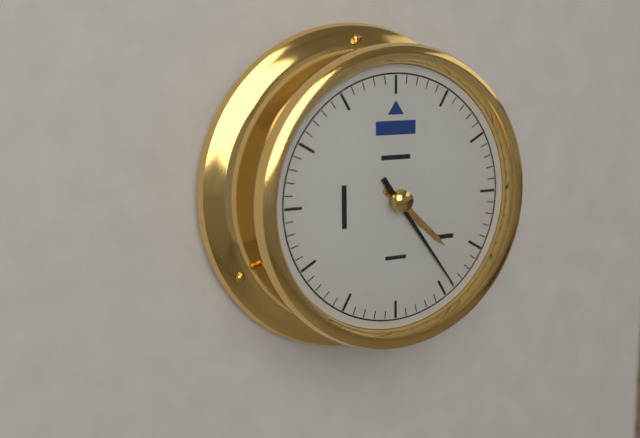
4:24
